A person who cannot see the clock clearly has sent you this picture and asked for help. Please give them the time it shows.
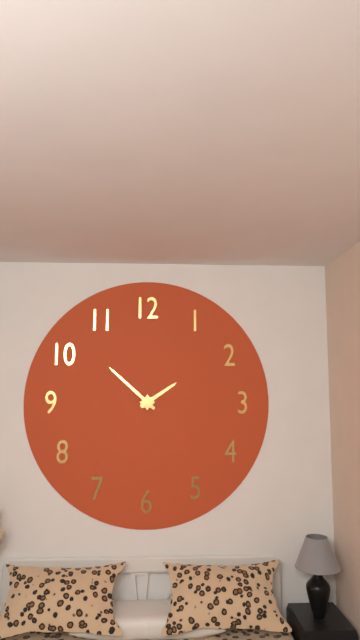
1:52
